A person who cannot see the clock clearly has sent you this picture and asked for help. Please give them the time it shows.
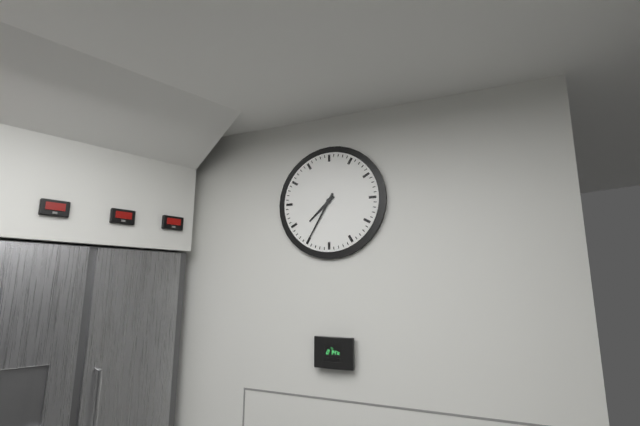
7:35
